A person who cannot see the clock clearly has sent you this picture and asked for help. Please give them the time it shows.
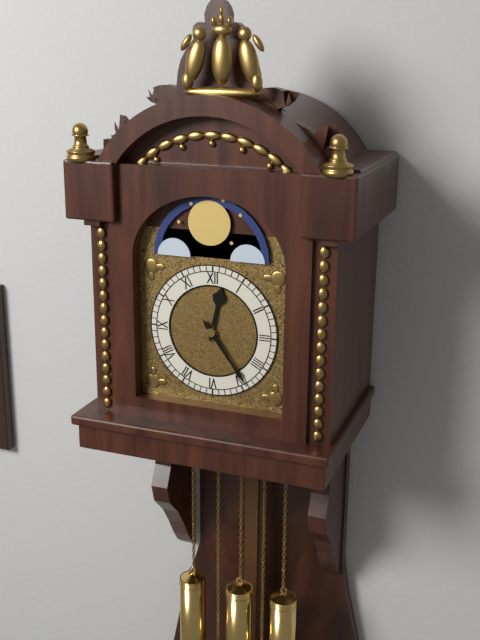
12:24
